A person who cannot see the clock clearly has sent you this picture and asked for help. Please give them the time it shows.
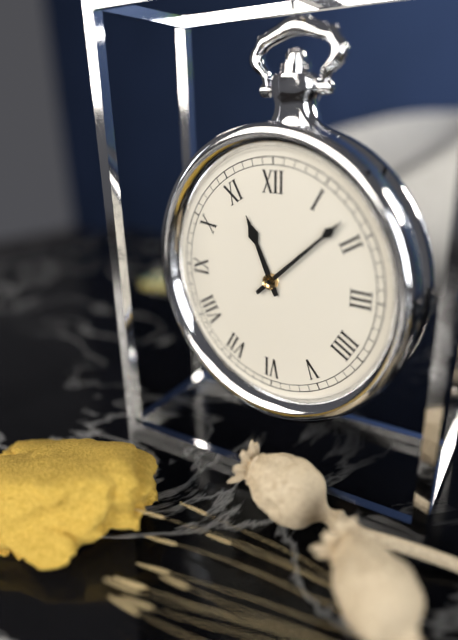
11:08
